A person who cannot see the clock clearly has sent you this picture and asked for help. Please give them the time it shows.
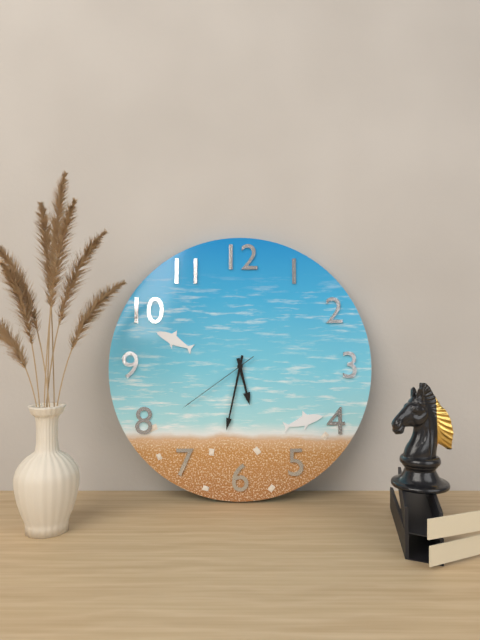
5:32:39
